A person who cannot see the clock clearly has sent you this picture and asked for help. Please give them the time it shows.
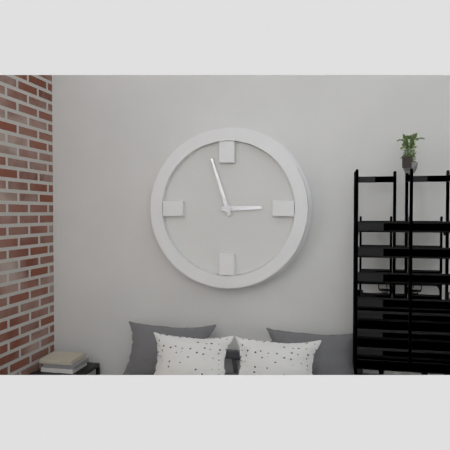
2:57
